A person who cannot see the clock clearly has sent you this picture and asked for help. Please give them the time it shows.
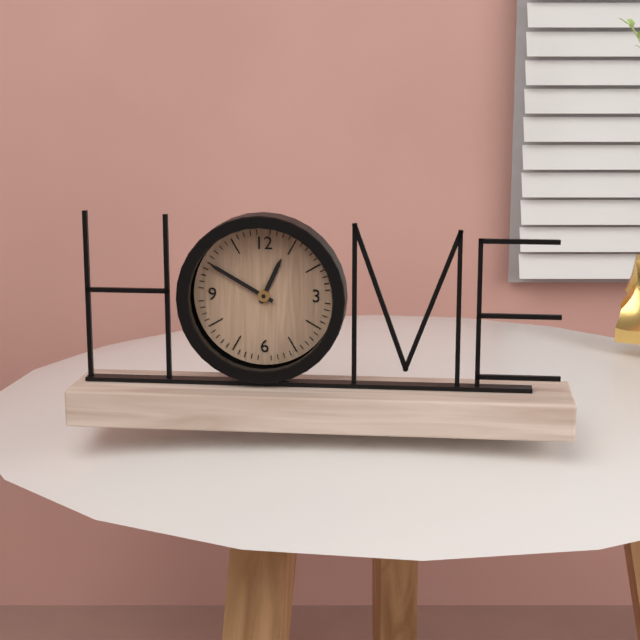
12:50
